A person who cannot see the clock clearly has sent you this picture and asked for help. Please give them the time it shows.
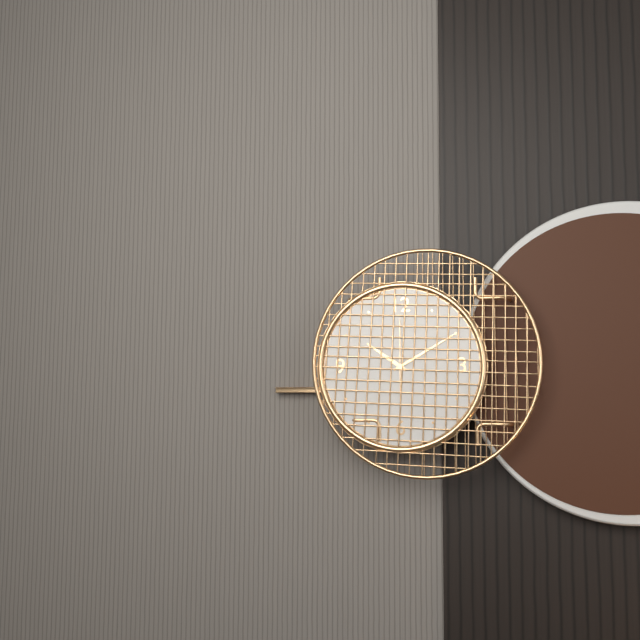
10:10:30
